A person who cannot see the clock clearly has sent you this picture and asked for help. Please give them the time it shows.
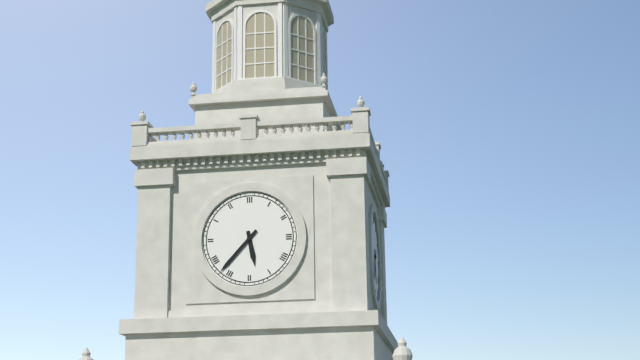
5:37
